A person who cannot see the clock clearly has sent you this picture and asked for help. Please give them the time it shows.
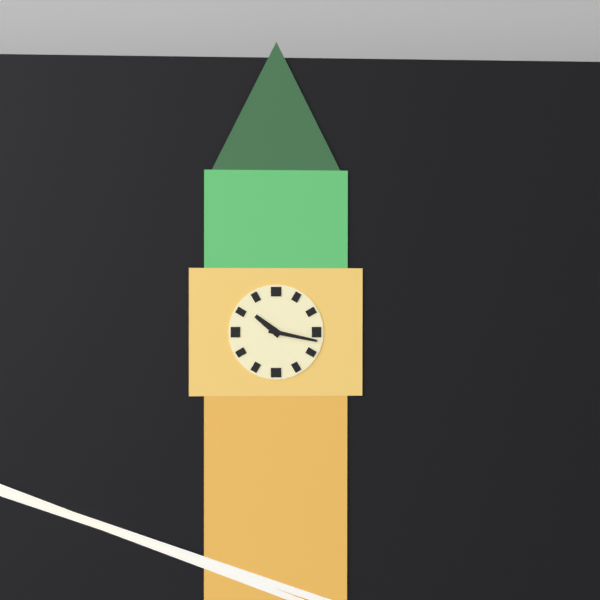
10:17
